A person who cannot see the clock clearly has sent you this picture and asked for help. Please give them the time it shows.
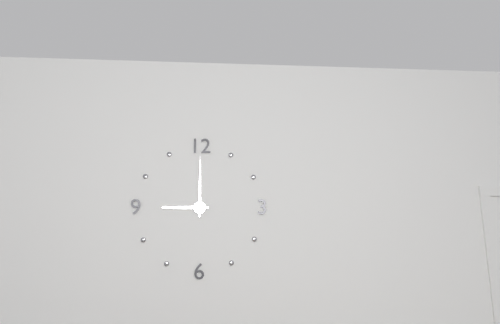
9:00
